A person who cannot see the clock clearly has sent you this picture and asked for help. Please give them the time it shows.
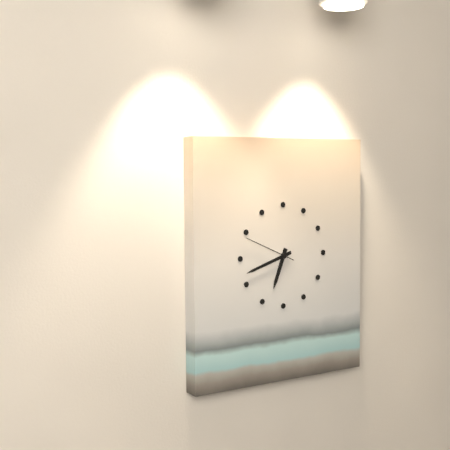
6:42:49
